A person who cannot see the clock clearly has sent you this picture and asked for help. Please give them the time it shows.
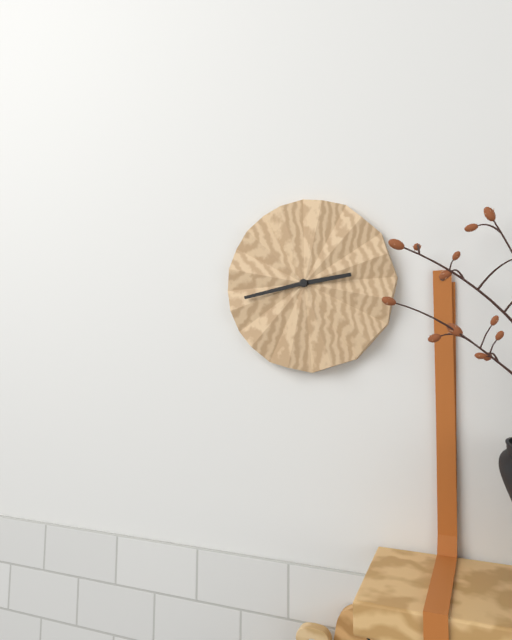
2:43
